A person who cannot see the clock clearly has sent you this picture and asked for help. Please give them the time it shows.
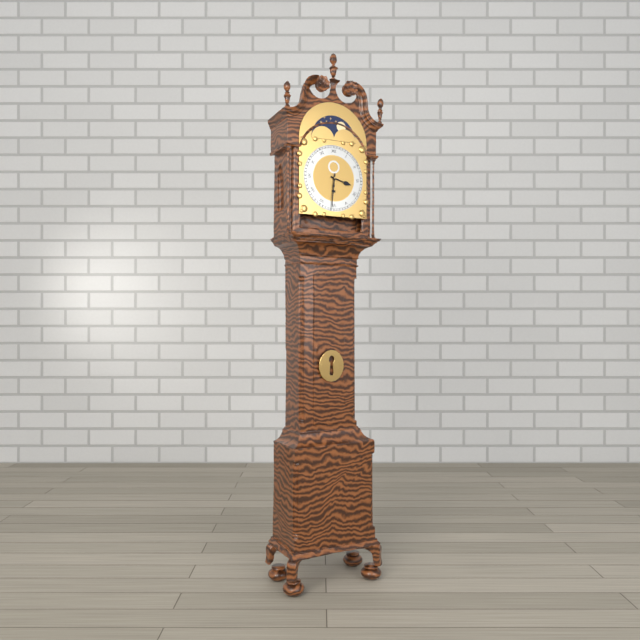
3:31
